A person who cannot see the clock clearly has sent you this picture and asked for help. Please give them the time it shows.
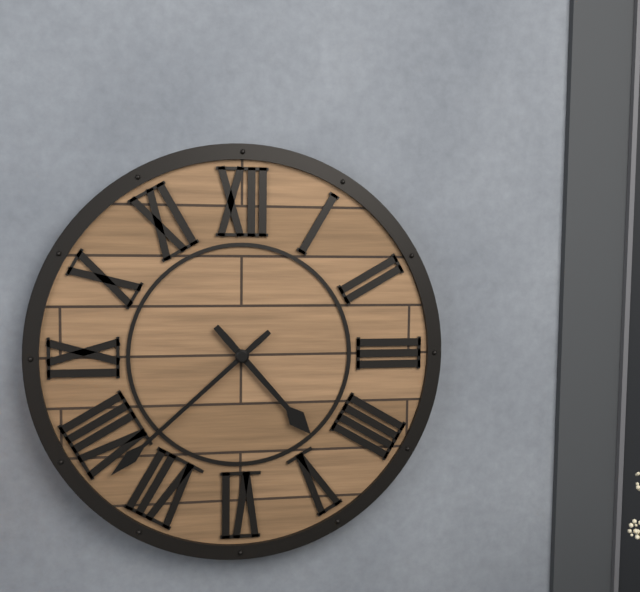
4:38
